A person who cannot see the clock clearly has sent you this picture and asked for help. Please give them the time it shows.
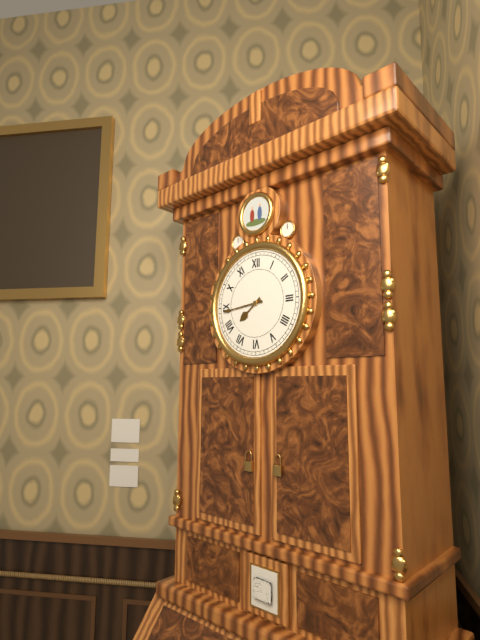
7:44
